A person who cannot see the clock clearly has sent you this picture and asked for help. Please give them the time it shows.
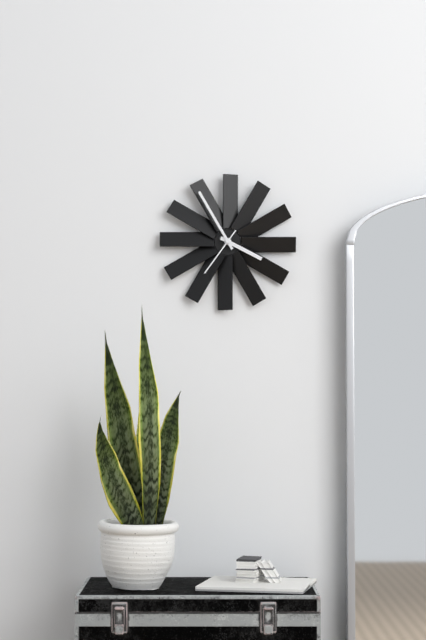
3:55
